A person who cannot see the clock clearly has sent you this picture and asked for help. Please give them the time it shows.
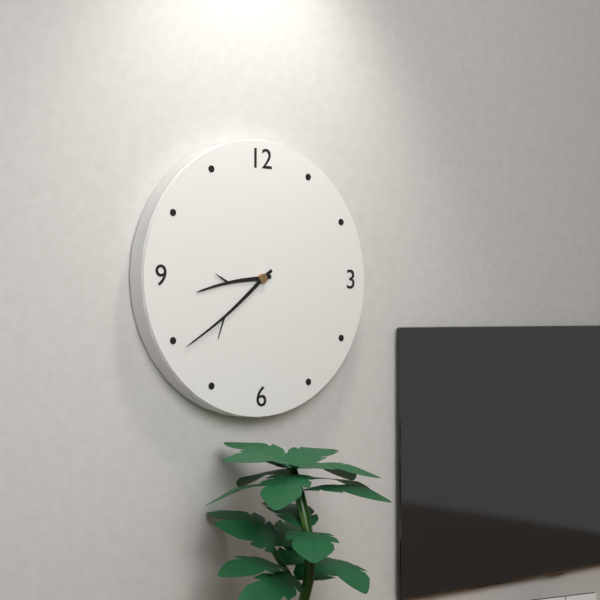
8:39
